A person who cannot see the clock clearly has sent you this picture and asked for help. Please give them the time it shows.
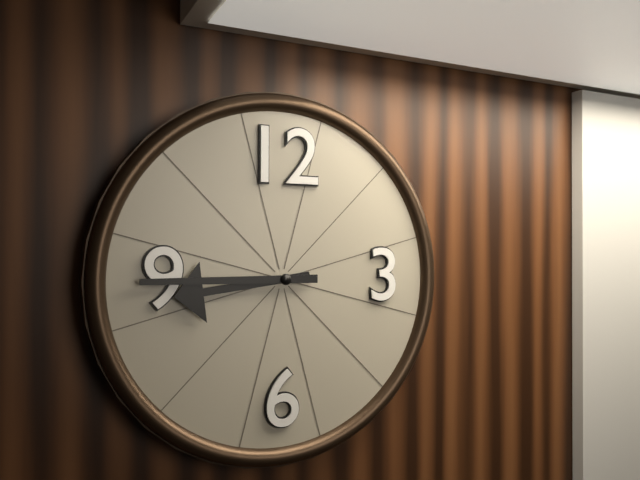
8:45
